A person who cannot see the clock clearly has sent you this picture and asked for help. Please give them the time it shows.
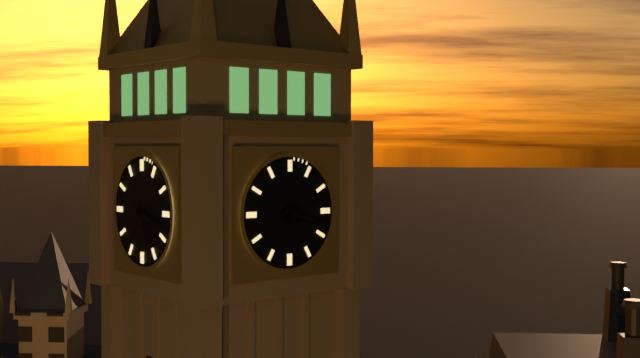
5:18
